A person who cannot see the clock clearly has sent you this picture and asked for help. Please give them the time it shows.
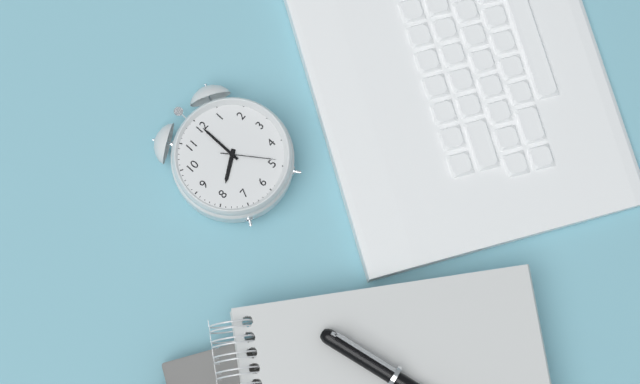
8:00:24
